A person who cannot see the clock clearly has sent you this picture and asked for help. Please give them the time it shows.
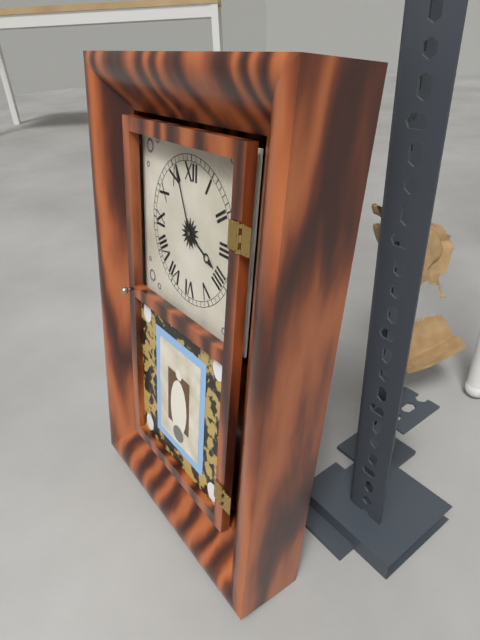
3:56
